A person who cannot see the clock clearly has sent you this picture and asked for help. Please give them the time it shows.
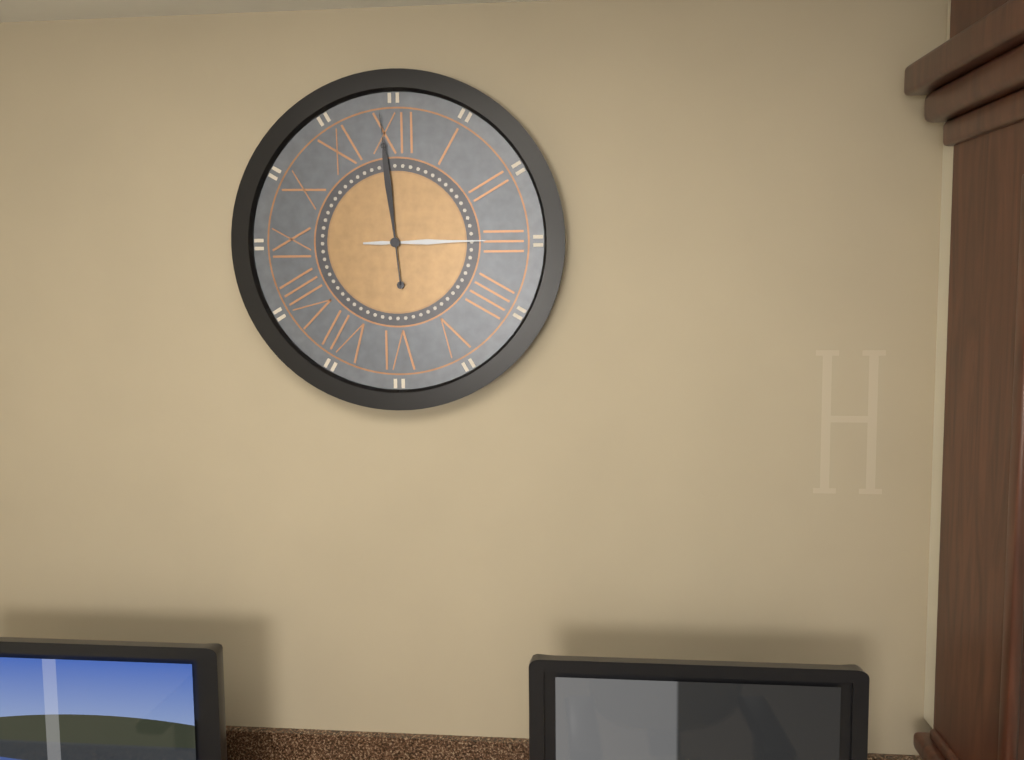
2:59
